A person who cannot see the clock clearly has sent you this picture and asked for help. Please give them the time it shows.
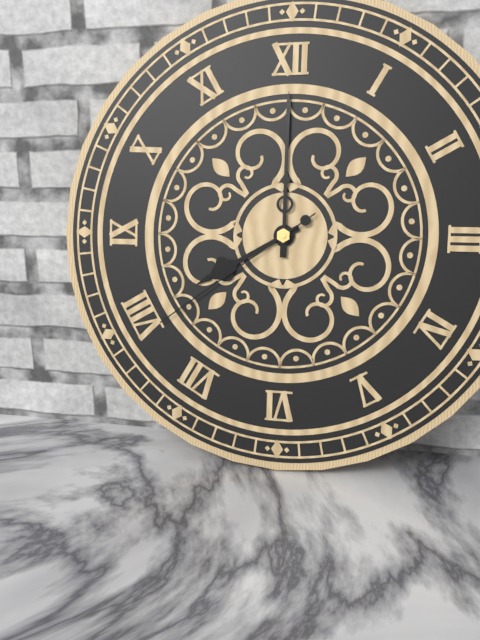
8:00:39
